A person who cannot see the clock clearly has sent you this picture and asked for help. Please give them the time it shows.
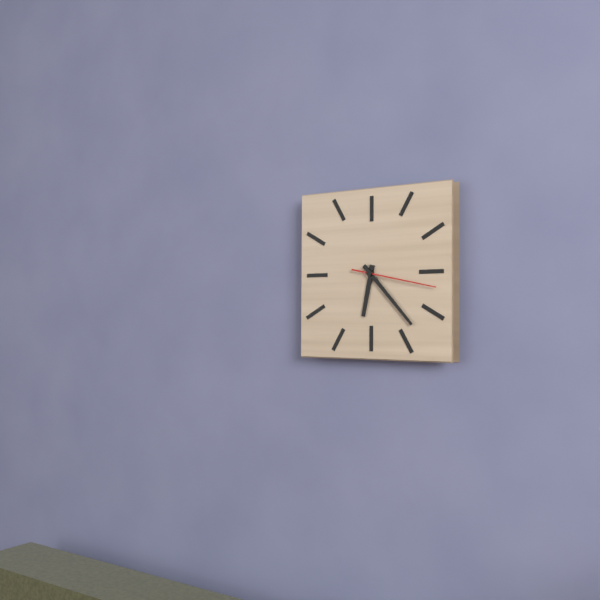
6:23:17
